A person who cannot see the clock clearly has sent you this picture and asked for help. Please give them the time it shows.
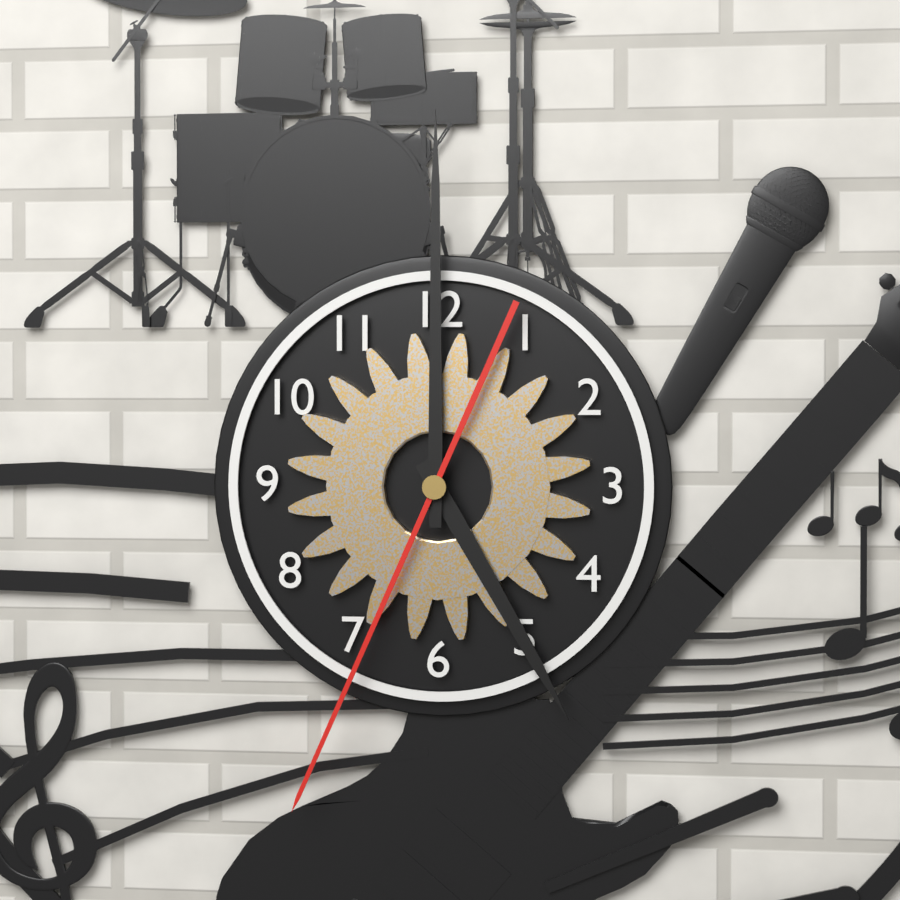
5:00:34
